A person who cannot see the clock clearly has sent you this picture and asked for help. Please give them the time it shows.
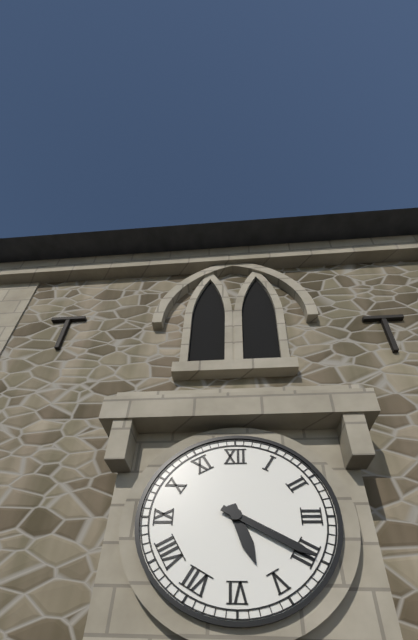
5:20
